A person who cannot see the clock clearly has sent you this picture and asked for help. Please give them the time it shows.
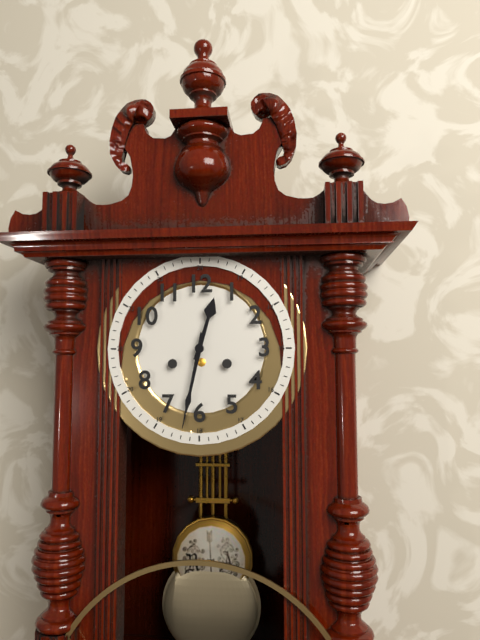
12:32
